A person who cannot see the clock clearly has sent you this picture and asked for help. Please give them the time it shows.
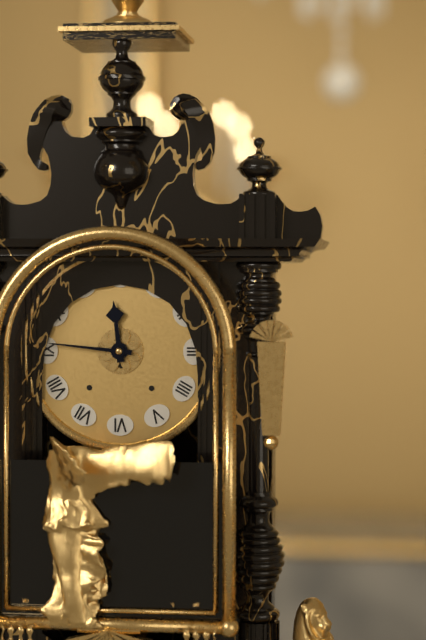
11:46
